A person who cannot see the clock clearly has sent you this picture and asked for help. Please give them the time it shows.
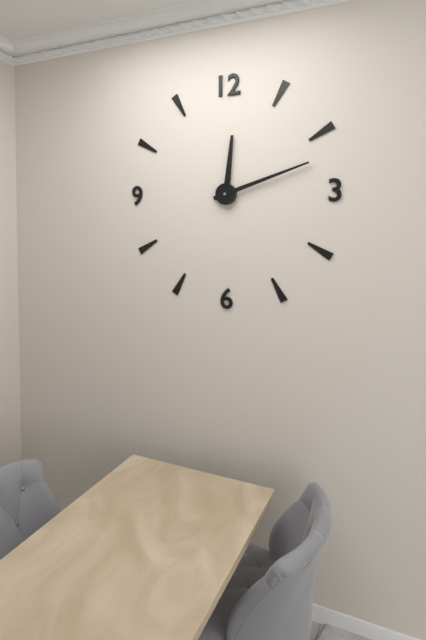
12:12
